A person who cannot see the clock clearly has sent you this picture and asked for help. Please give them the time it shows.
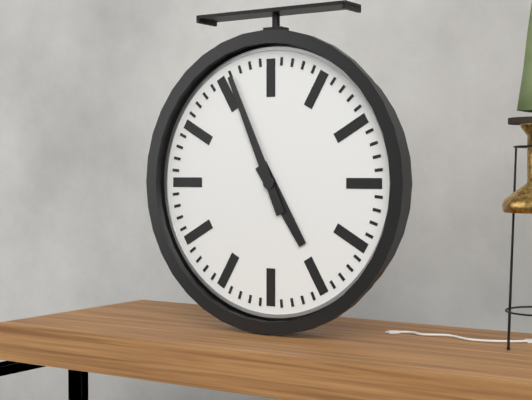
4:56
